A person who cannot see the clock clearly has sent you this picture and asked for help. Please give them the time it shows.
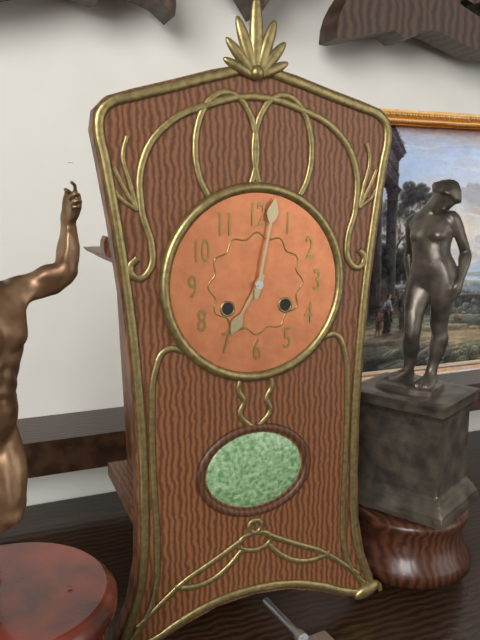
7:02
